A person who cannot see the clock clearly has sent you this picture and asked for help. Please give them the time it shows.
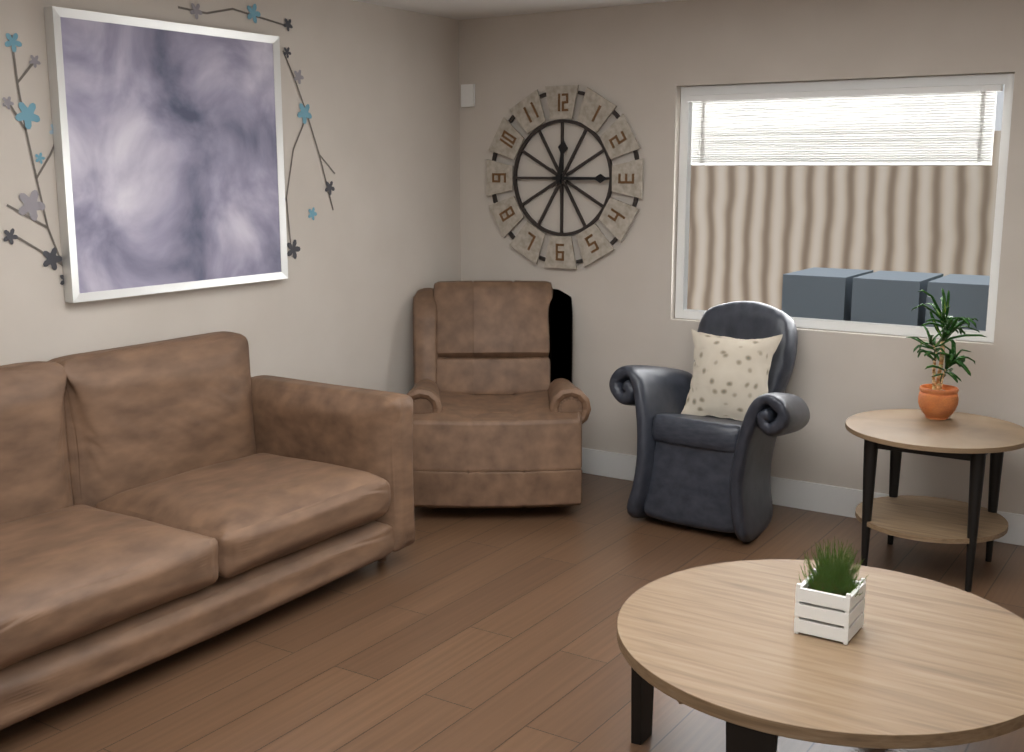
12:15
